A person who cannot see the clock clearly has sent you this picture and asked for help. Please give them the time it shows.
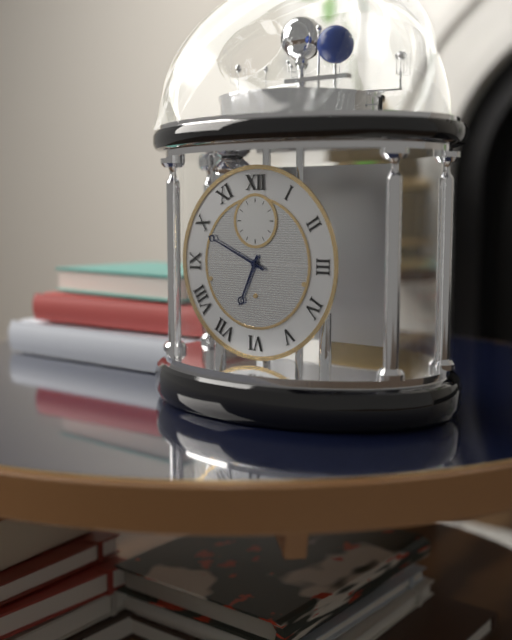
6:49
